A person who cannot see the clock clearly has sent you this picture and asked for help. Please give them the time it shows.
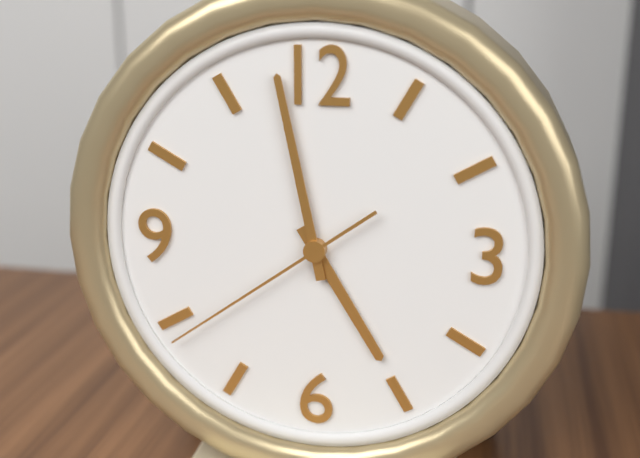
4:58:39
